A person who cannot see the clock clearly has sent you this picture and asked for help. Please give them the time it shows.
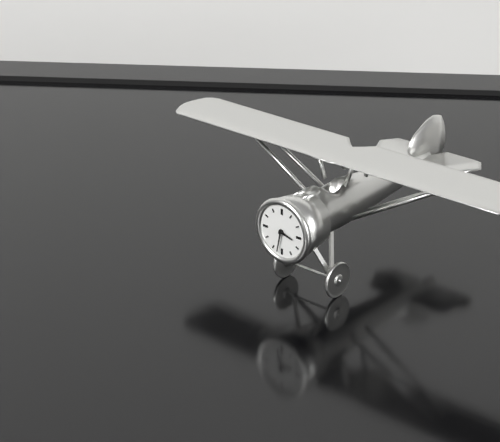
3:32
